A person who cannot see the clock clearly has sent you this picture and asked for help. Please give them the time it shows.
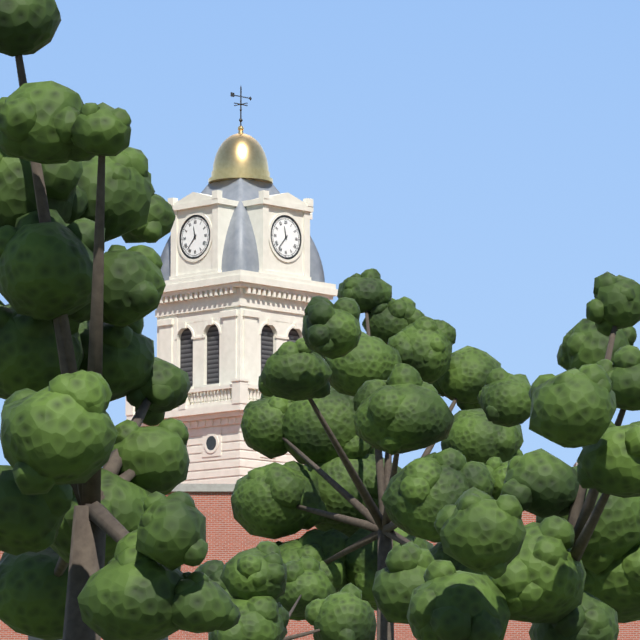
11:37
